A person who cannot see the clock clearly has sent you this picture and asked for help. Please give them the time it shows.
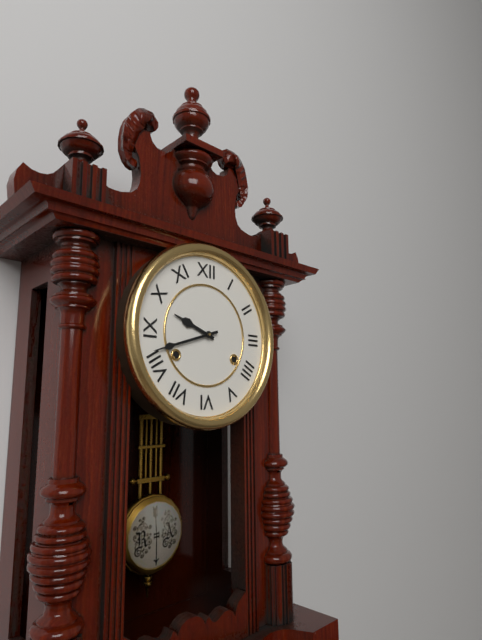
9:42
